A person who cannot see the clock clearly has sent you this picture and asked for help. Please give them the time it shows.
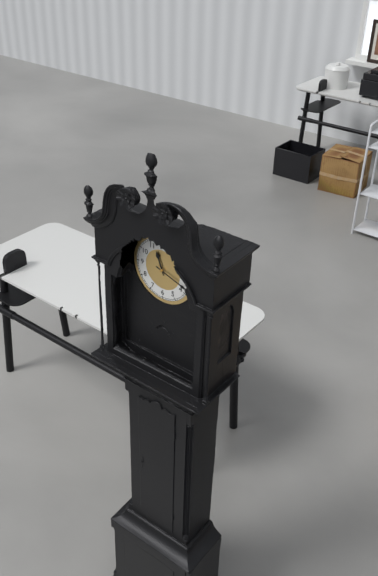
11:18
